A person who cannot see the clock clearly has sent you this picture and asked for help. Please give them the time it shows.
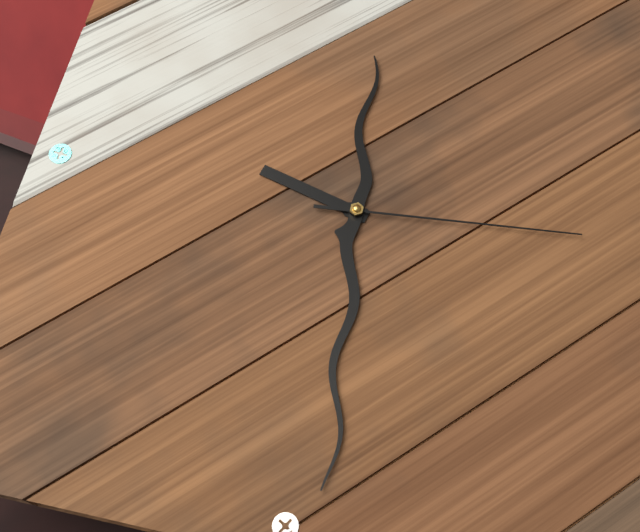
9:29:14
